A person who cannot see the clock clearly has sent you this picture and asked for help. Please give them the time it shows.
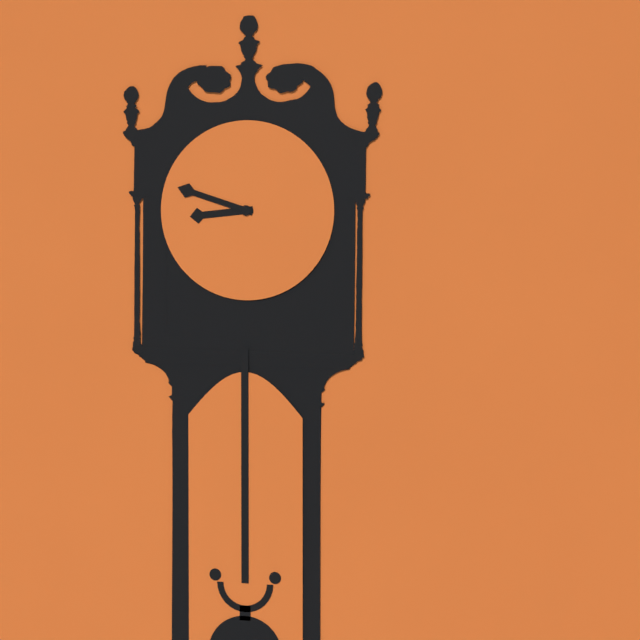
8:48
